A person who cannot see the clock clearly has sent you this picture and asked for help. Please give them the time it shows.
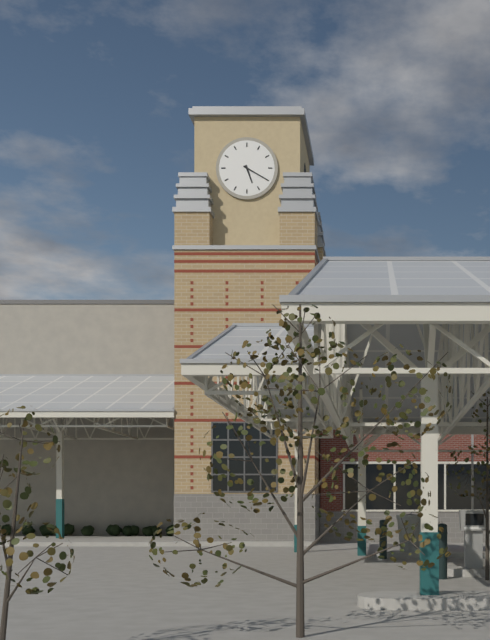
5:20
